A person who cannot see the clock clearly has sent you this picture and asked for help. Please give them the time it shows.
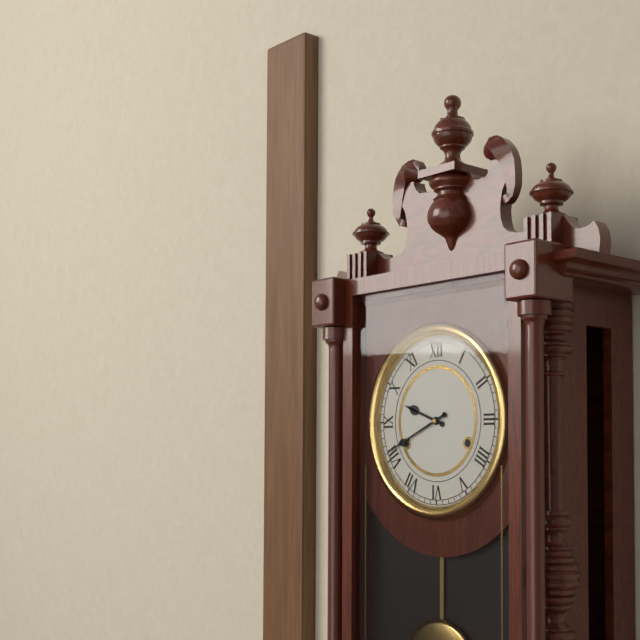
9:41
